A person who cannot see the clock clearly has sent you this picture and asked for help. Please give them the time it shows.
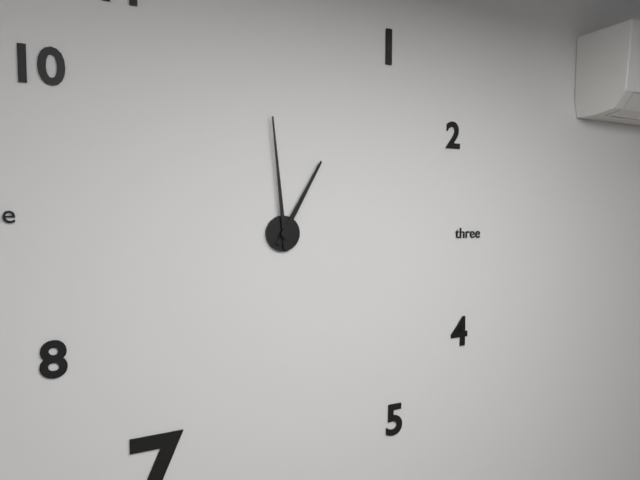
12:59
